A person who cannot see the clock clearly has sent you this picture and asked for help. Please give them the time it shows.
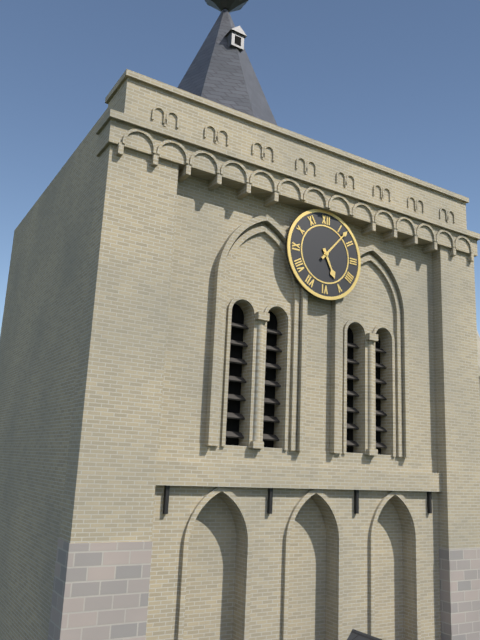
5:07
